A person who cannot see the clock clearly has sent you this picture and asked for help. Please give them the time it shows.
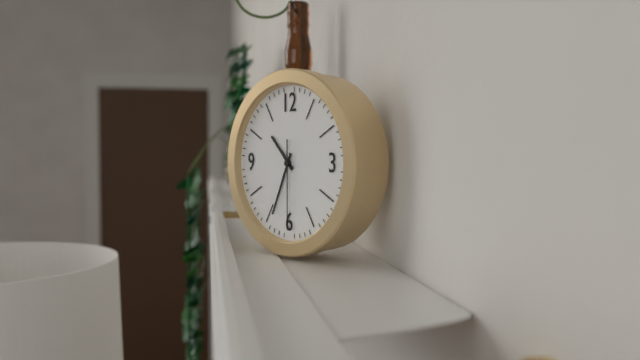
10:34:30
